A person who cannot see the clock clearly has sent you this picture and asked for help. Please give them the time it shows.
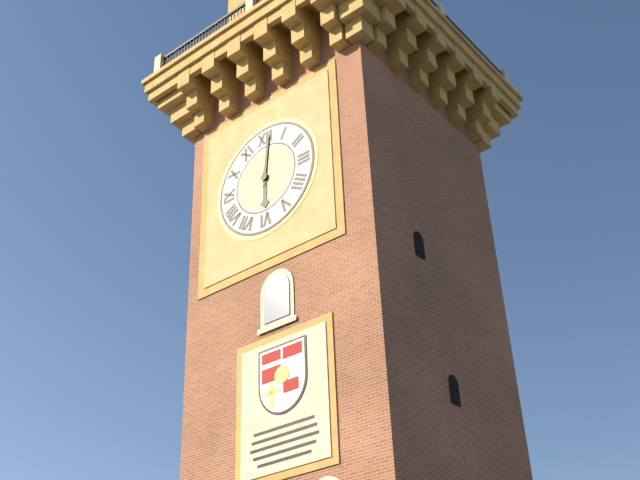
6:01
